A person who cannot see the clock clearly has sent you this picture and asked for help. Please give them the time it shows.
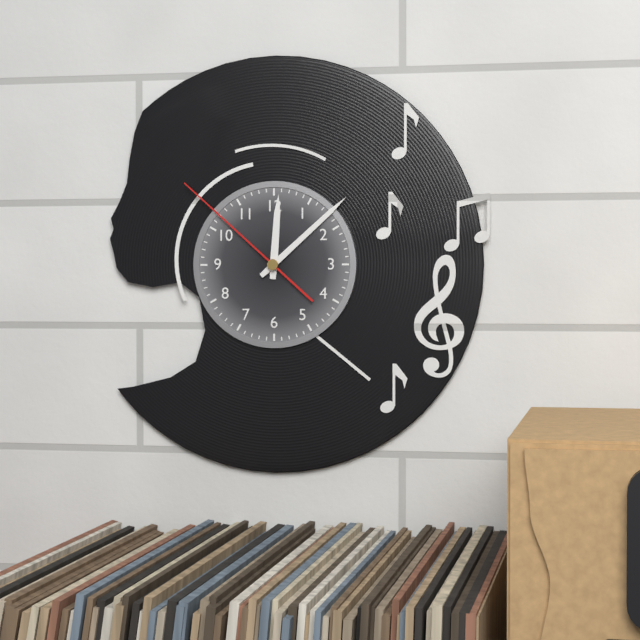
12:08:52
